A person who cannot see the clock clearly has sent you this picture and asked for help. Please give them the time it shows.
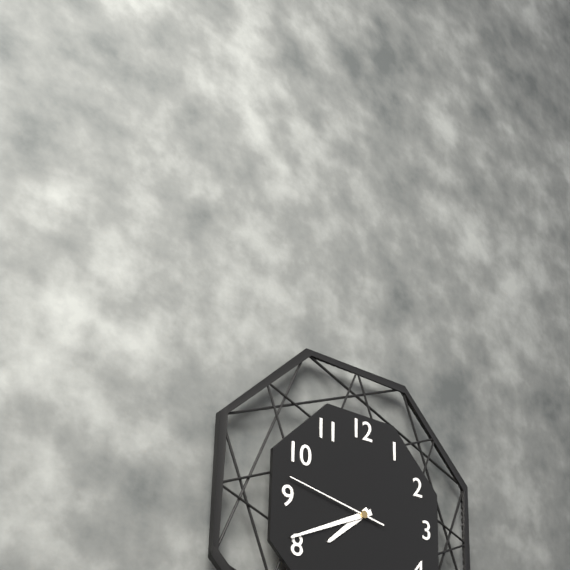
7:41:47
